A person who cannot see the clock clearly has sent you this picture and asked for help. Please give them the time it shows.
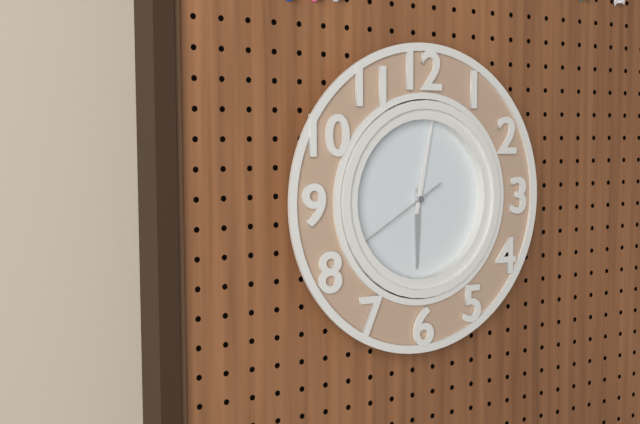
6:02:40
